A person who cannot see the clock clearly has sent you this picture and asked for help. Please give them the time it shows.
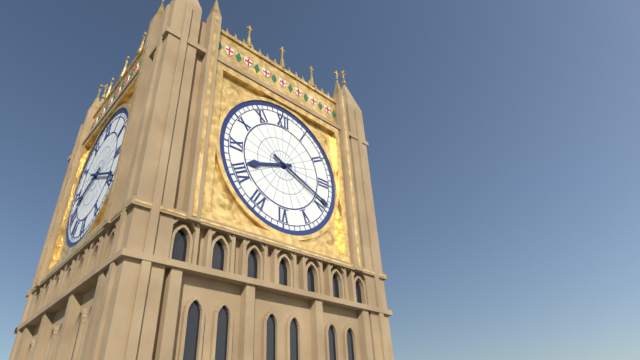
8:19
